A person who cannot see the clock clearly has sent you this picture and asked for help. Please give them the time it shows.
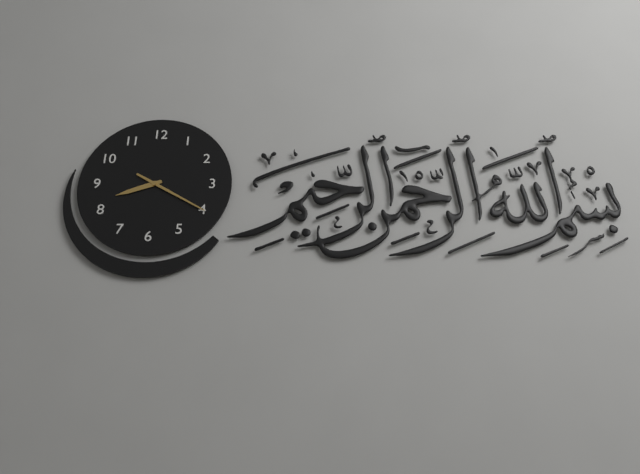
8:20
